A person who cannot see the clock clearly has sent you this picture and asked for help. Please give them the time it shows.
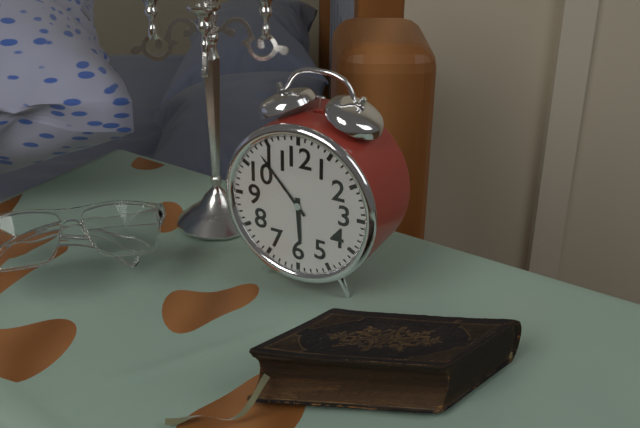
5:53
